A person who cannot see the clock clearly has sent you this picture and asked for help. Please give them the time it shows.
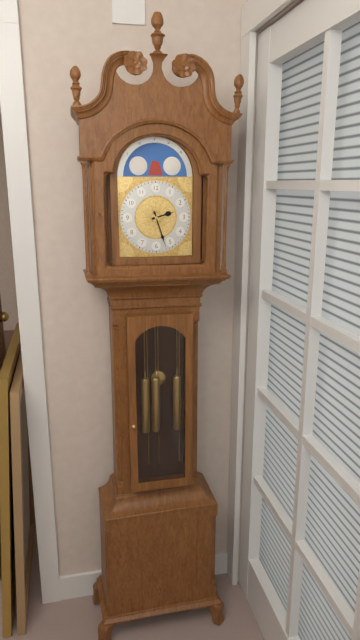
2:27
